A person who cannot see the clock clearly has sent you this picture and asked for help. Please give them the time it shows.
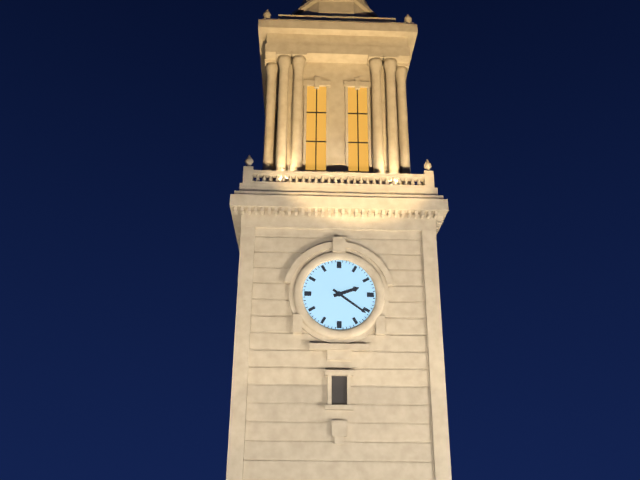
2:21
